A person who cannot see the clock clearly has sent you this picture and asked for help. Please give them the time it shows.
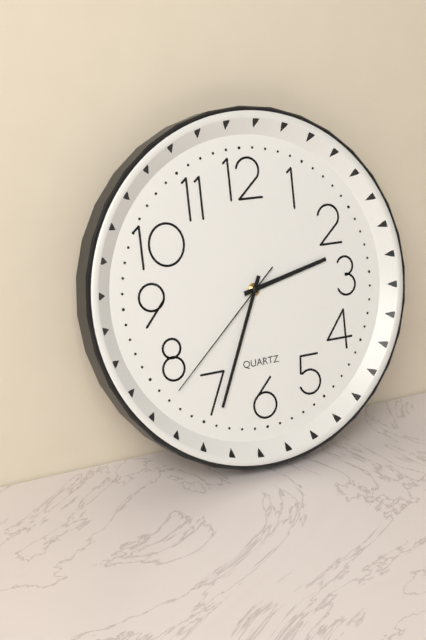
2:34:38
